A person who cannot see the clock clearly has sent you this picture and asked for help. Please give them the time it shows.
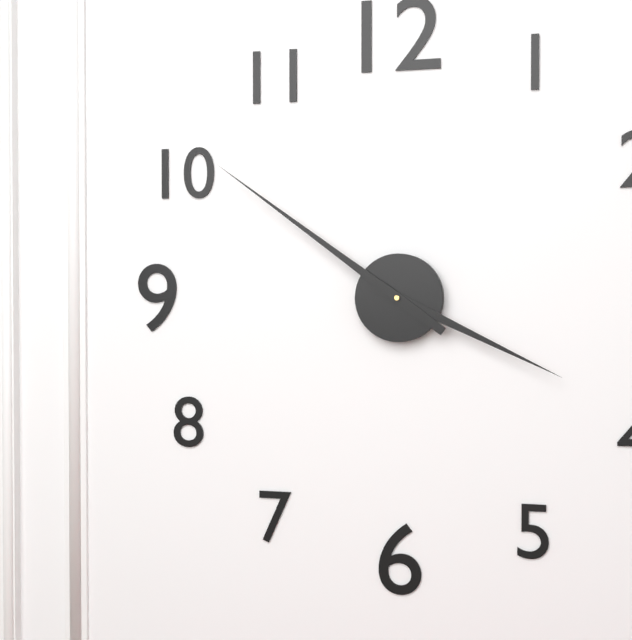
3:51
